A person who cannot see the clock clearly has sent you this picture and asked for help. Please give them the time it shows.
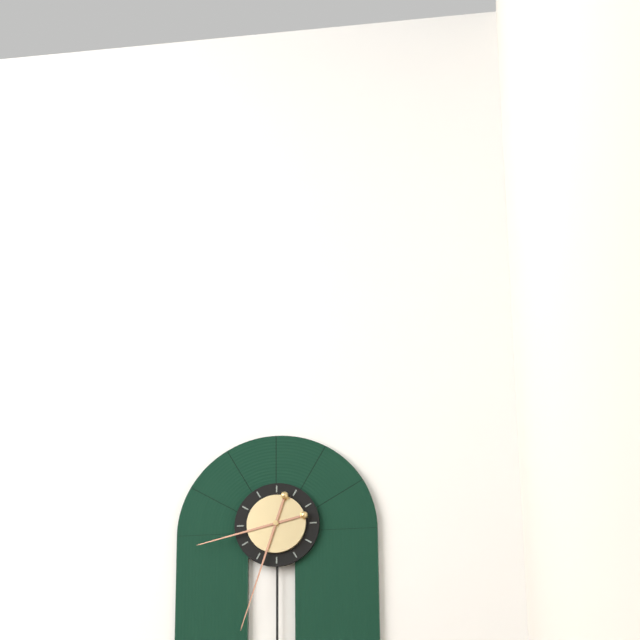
8:33
